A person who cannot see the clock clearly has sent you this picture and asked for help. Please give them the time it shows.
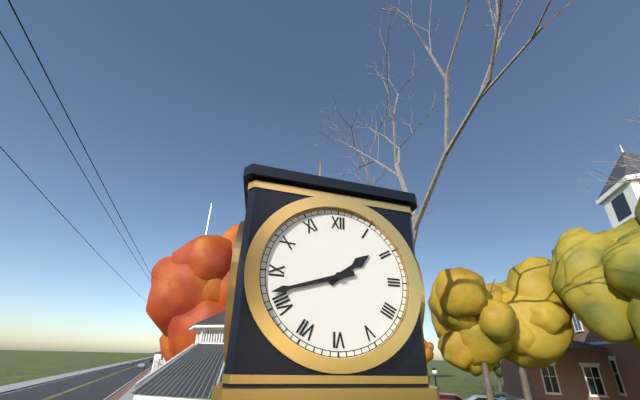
1:42
